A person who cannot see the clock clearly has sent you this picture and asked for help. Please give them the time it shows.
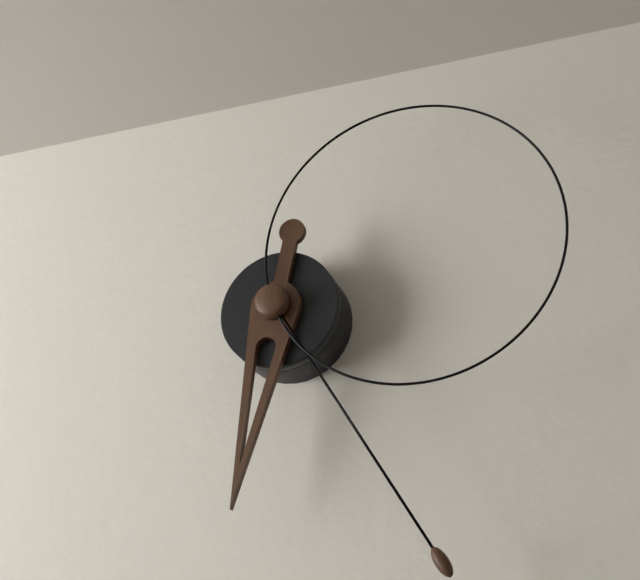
6:25:12
